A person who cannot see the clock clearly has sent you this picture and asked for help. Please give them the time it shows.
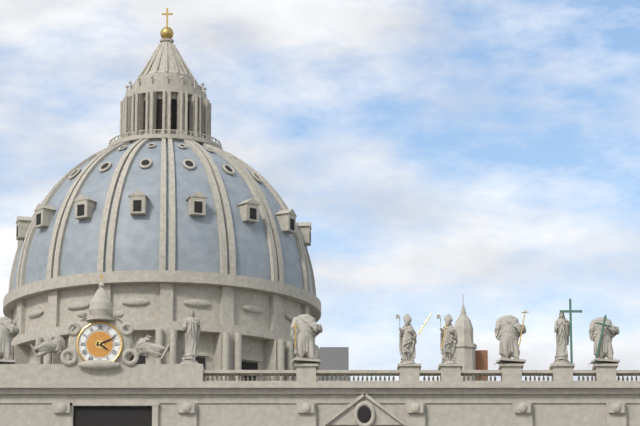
4:11
